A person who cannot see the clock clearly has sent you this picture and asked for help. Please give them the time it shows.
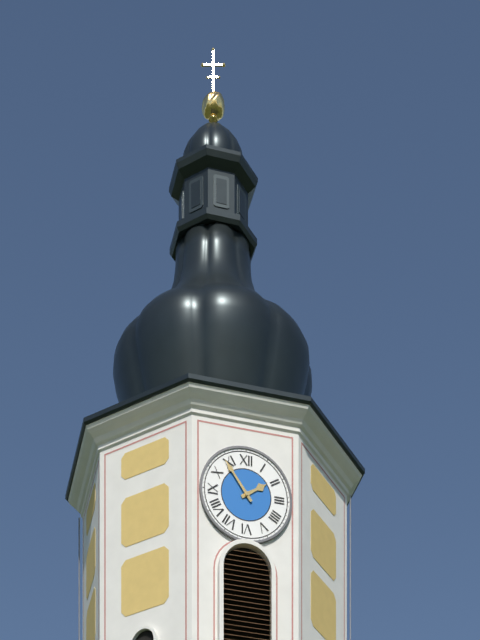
1:54
